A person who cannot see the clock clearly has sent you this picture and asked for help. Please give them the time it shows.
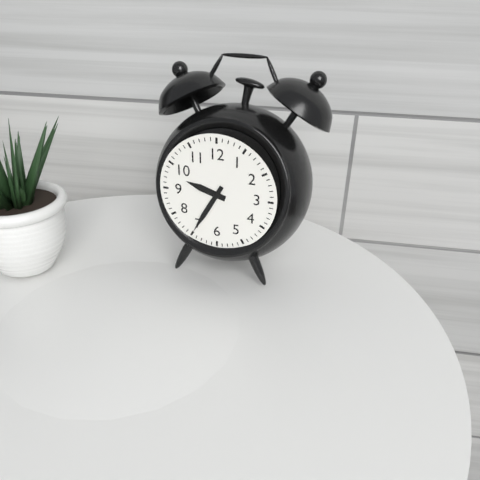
9:35
